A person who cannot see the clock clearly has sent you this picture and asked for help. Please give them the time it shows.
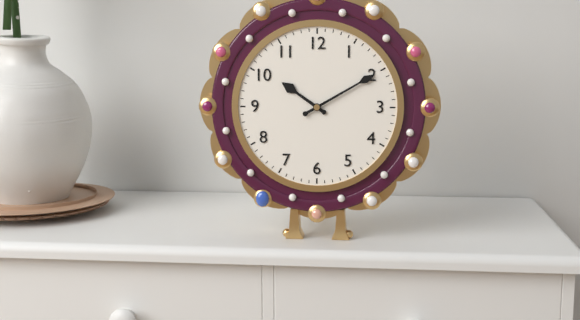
10:10
